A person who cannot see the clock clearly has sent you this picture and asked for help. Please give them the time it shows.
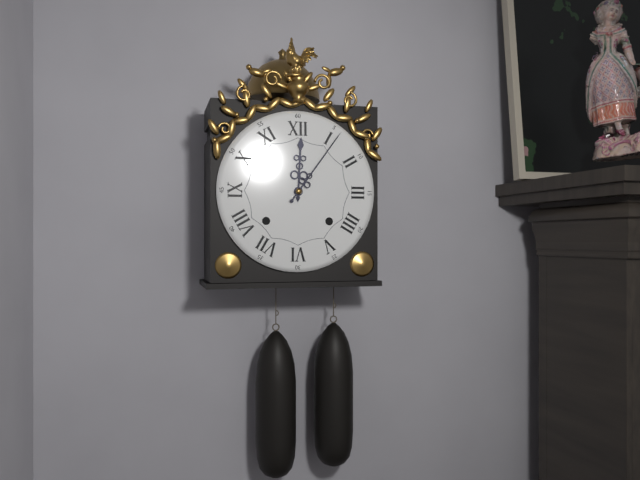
12:06
